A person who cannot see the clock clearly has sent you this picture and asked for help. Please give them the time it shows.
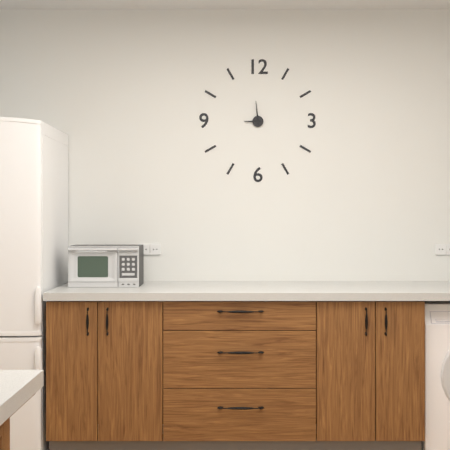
8:59
